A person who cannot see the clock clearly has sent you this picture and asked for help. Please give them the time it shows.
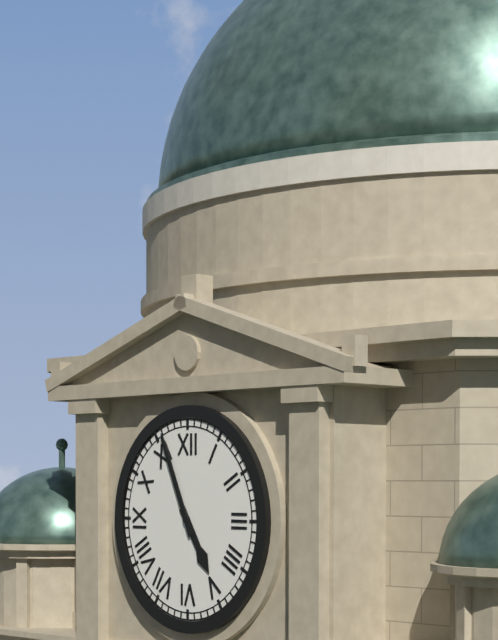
4:56
